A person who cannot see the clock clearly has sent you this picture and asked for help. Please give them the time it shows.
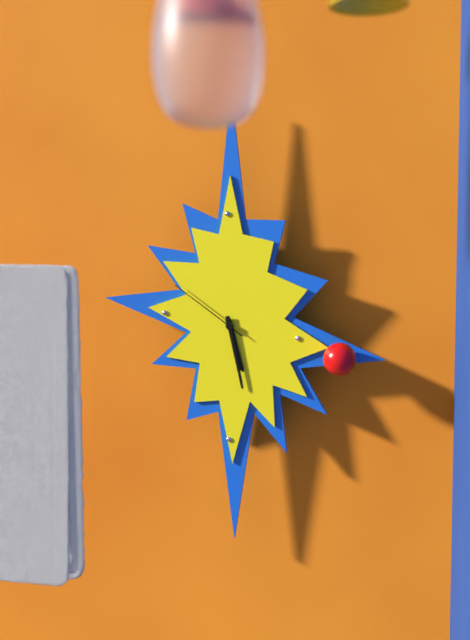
5:28:51
